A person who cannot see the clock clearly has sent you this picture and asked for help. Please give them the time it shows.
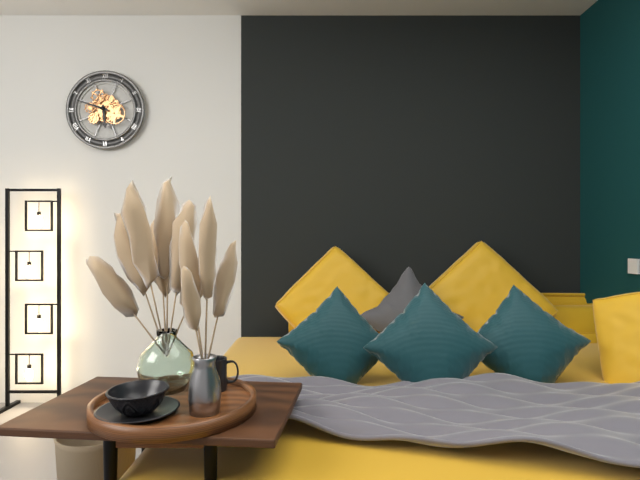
5:48
